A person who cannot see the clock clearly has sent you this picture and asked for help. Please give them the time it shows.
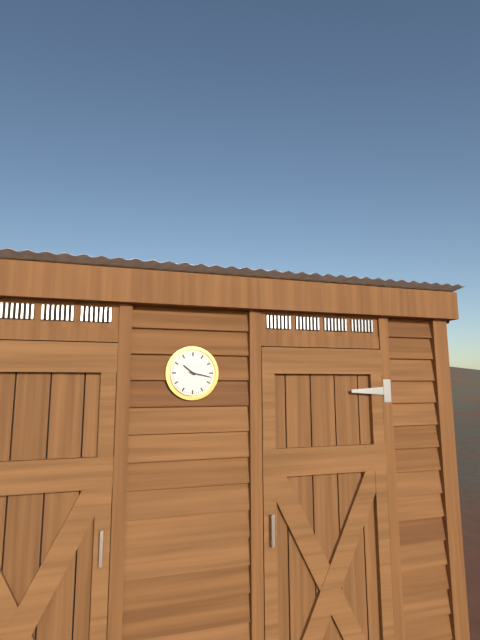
10:17
